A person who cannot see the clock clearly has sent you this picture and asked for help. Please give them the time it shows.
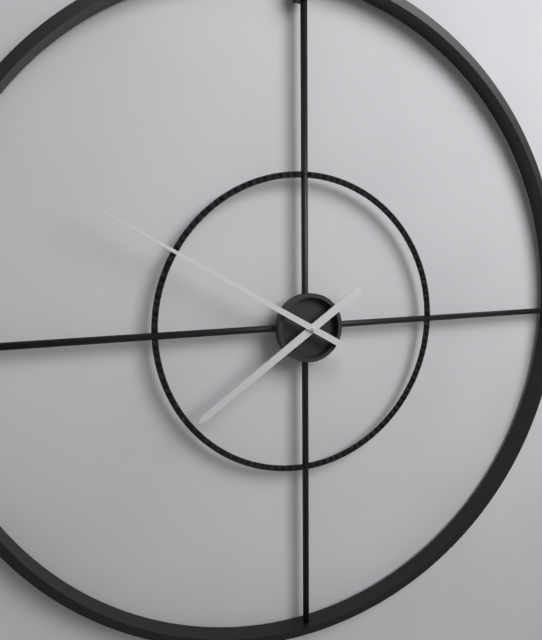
7:50
